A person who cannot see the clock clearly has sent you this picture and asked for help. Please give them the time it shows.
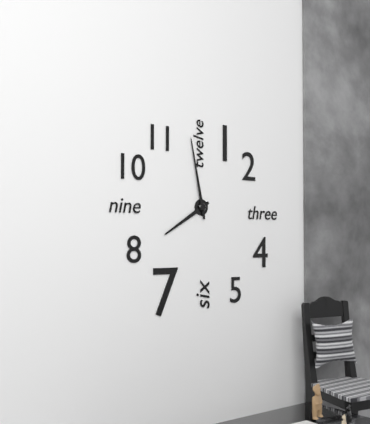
7:58
